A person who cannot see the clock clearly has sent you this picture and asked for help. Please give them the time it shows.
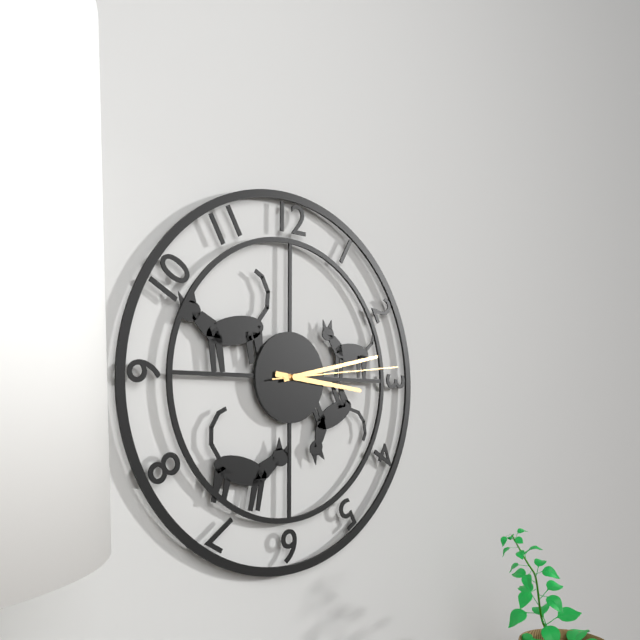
3:13:14
